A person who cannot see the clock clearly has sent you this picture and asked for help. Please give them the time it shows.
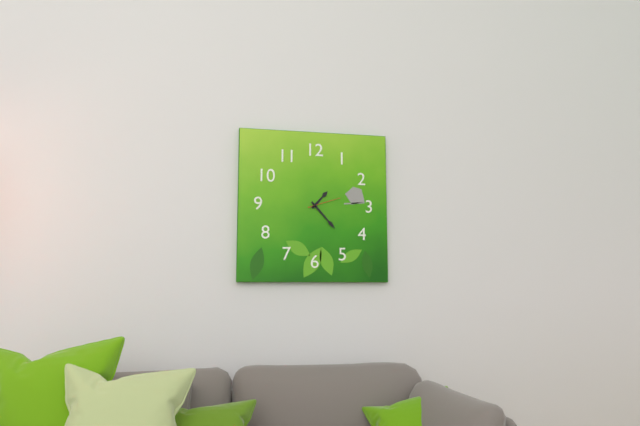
1:23
